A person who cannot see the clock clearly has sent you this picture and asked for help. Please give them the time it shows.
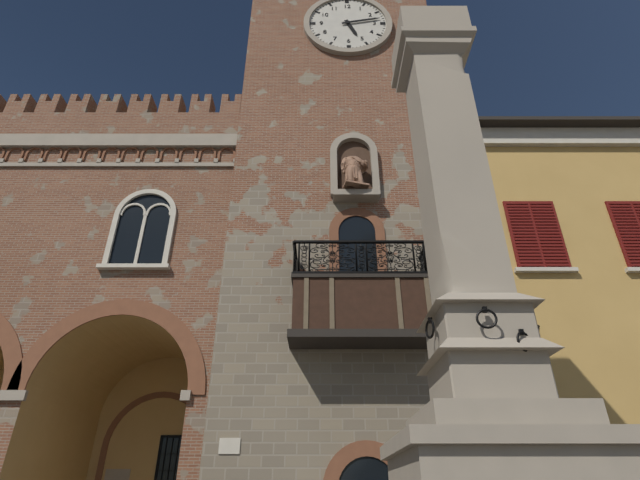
5:13
